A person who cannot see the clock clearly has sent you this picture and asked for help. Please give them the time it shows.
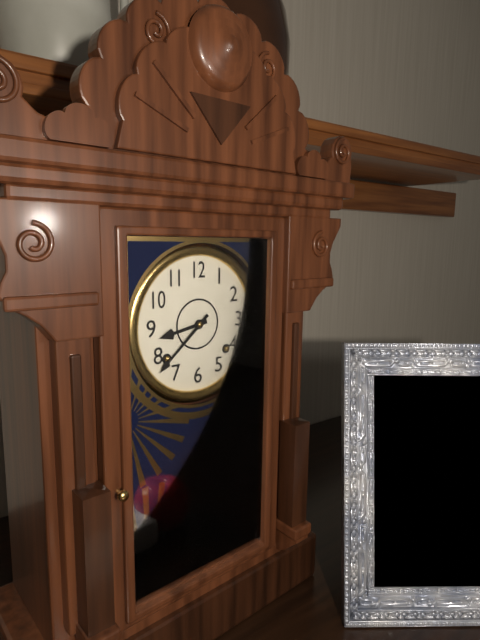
8:38
